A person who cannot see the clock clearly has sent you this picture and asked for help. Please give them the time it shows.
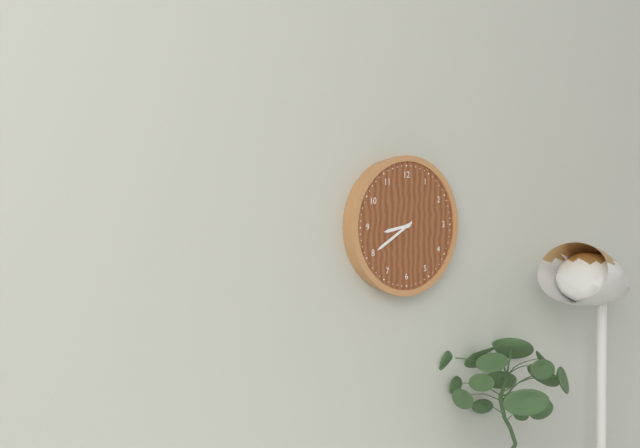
8:40
